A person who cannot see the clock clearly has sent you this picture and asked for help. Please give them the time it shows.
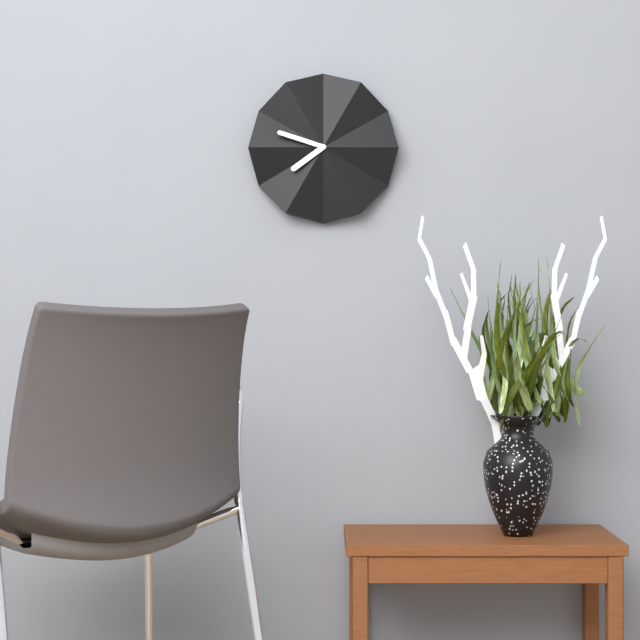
7:48
